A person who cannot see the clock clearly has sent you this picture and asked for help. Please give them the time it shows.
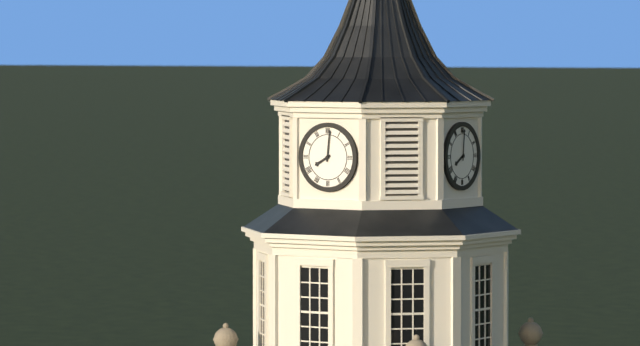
8:01
